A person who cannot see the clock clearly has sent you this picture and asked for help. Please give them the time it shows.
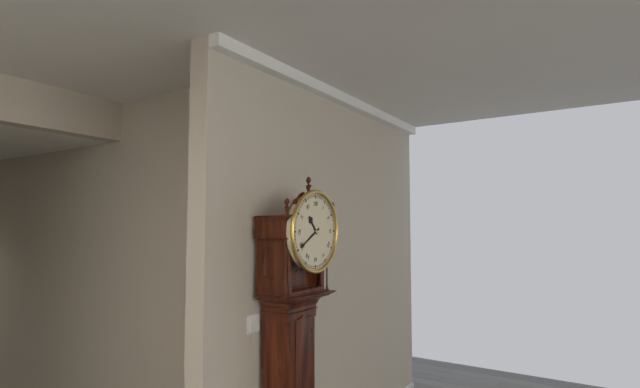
10:40
